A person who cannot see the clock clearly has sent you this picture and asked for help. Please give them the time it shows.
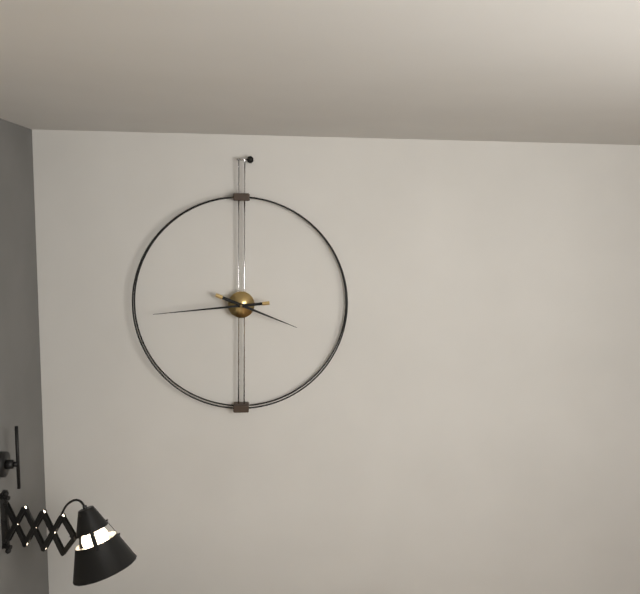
3:44
